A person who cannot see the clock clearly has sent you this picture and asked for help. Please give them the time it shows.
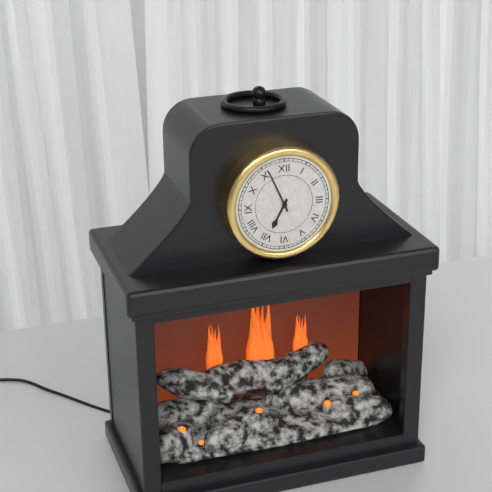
6:56
